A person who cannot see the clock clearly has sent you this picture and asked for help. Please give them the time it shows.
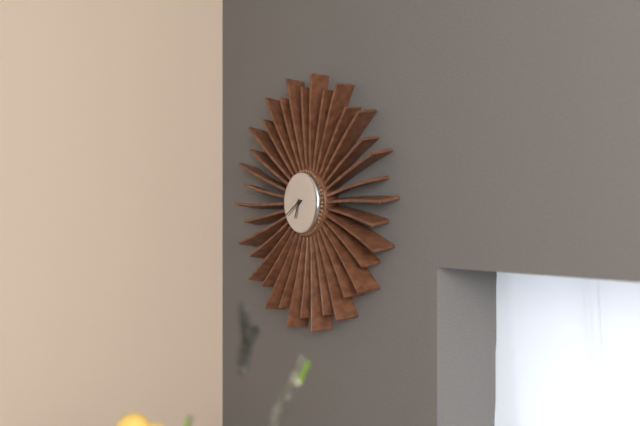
6:40
